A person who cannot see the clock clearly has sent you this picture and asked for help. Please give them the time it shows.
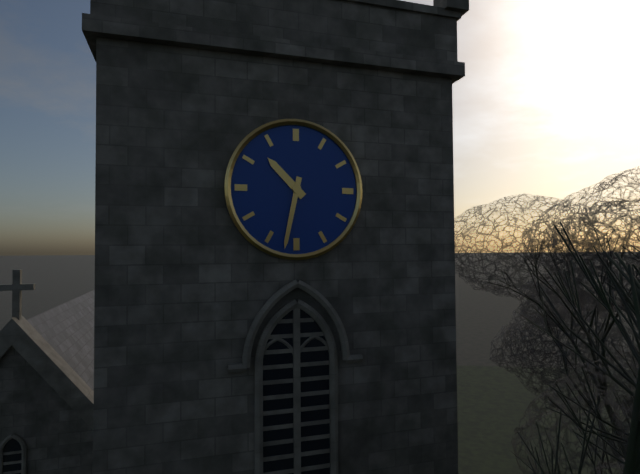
10:32
